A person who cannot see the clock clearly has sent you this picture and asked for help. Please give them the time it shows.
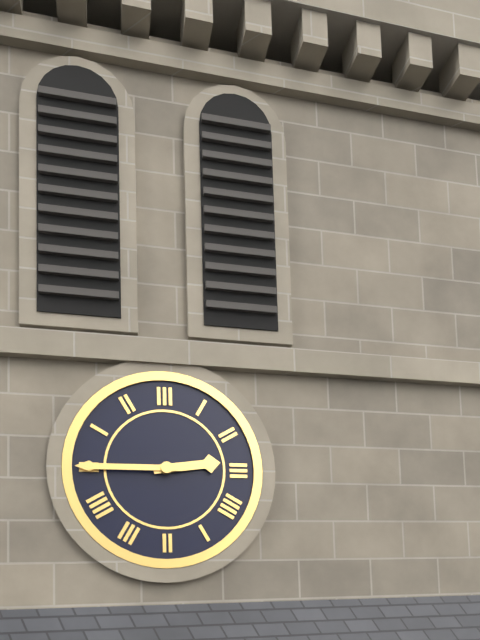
2:45
